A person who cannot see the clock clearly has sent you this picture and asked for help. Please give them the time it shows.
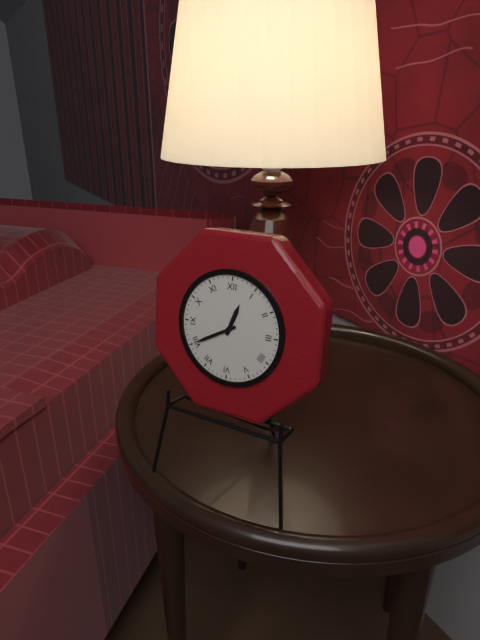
12:40
